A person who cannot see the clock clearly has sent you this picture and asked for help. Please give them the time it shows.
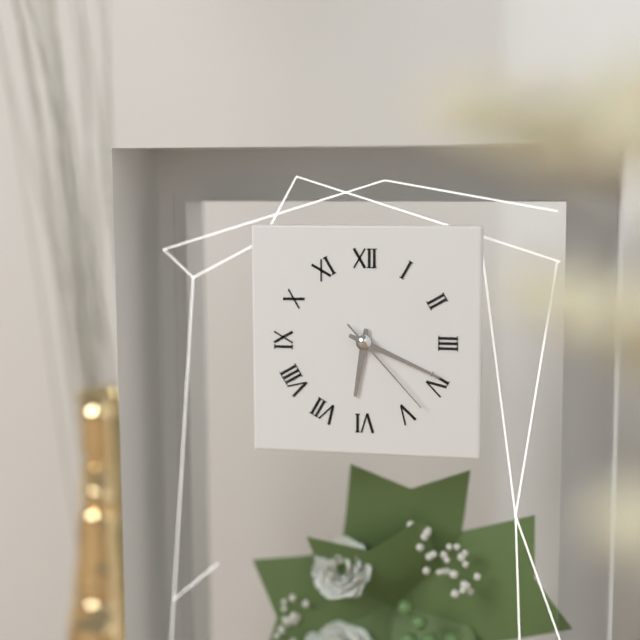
6:19:23
